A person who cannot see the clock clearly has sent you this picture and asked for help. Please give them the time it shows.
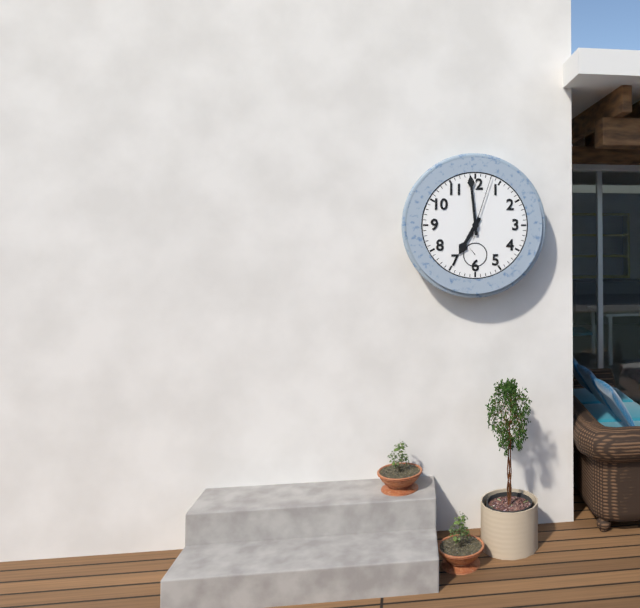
6:59:03
